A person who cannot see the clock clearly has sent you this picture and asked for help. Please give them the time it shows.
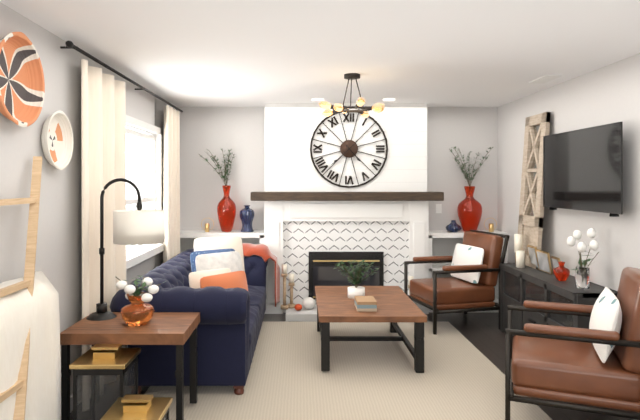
4:38
